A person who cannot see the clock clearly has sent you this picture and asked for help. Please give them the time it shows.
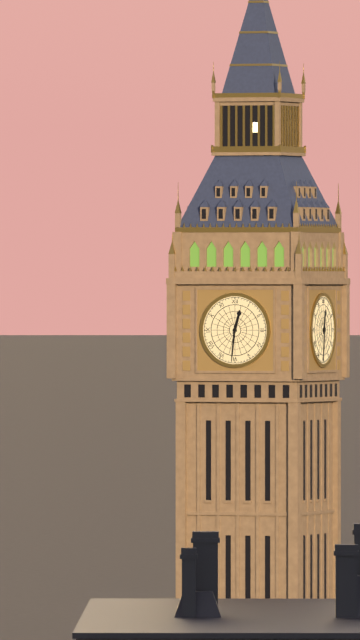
12:31
